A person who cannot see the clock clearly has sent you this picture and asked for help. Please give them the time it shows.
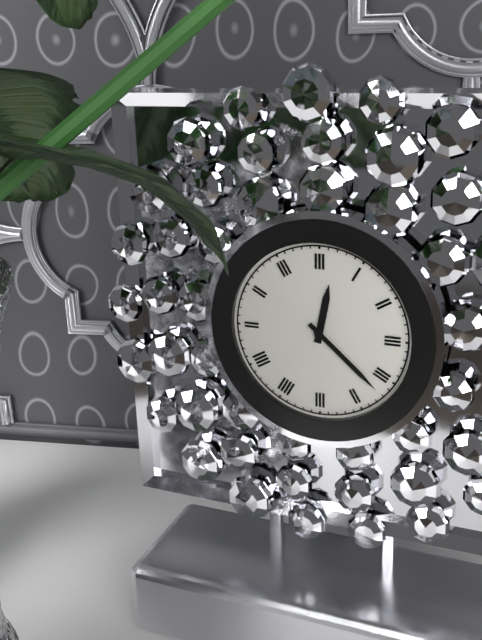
12:22
